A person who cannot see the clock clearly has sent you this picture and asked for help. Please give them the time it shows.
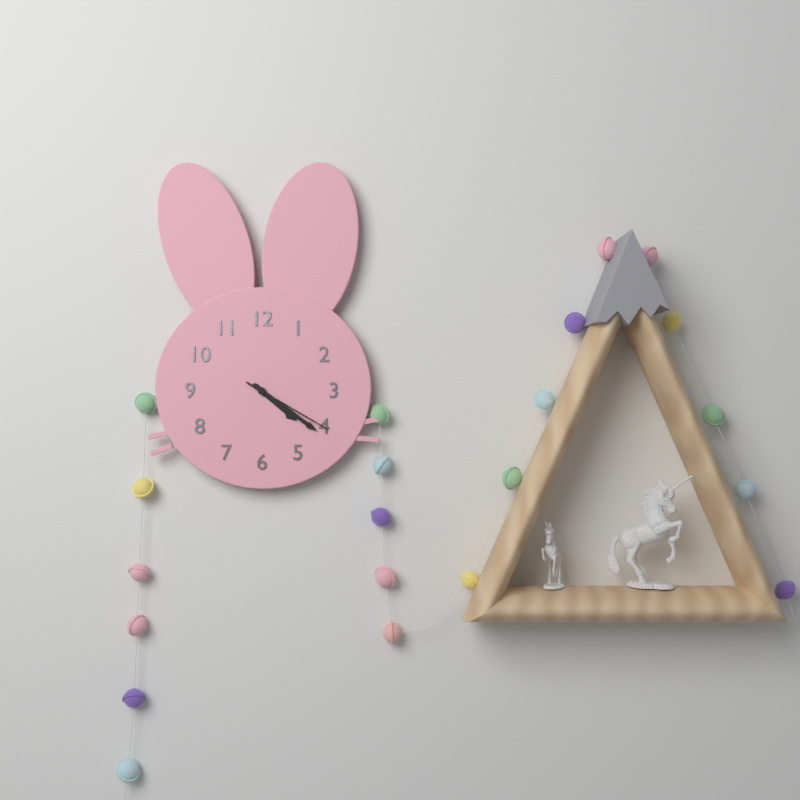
4:21:20
